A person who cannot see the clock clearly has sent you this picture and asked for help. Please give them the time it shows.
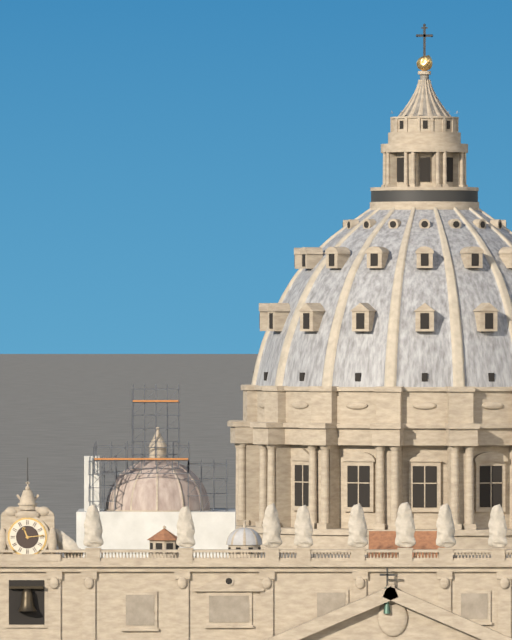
11:14
